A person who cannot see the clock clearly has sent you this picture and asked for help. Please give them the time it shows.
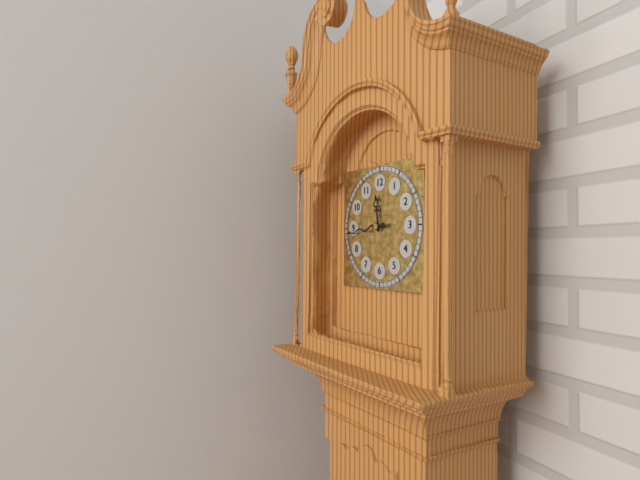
11:44
